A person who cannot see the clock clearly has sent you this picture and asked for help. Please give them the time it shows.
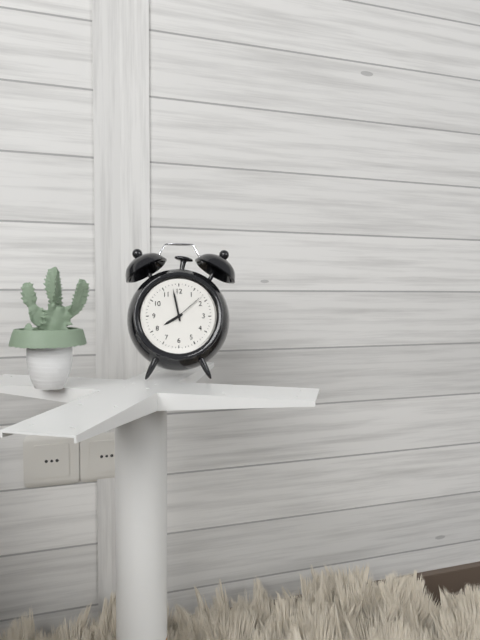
7:58
